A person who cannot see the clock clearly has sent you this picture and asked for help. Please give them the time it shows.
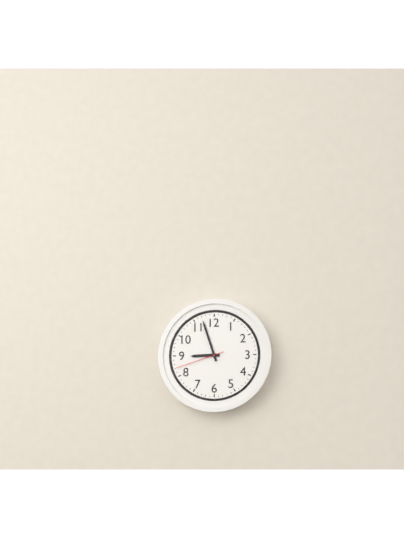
8:57
